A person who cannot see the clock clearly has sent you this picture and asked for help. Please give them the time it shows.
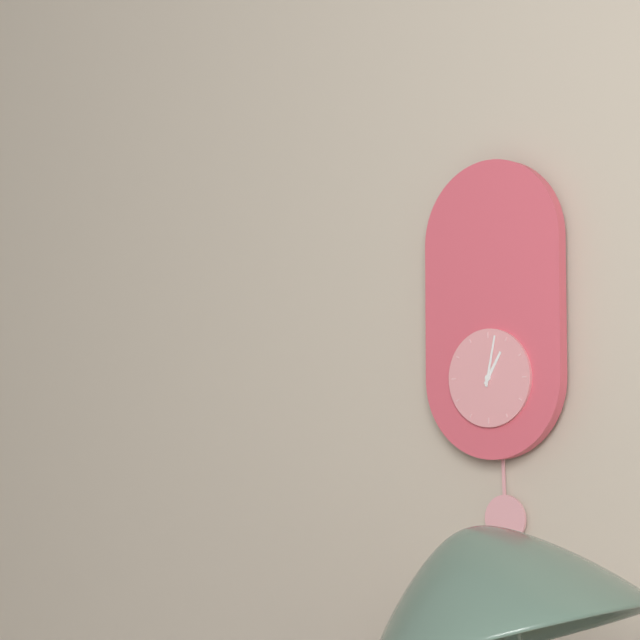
1:02
